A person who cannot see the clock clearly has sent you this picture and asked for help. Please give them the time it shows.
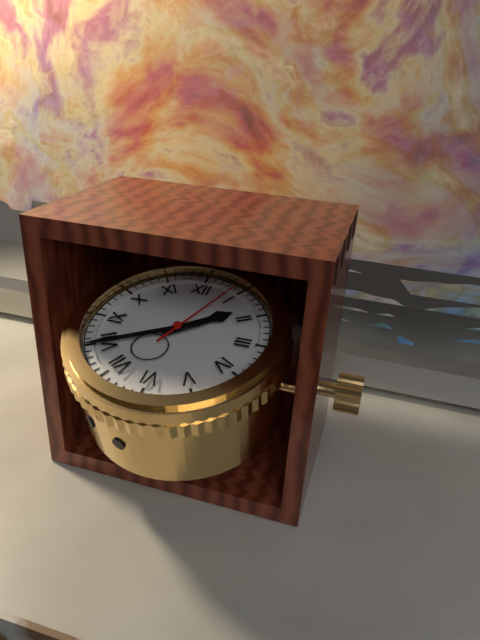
1:40:04
